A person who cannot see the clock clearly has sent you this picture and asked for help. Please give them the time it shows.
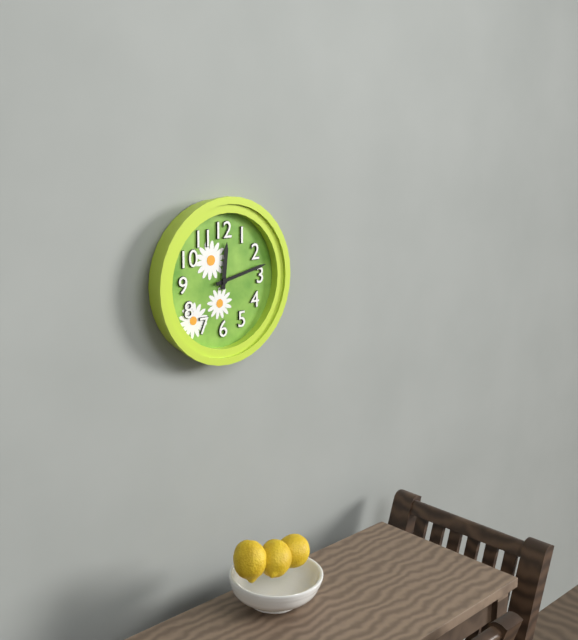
12:13
